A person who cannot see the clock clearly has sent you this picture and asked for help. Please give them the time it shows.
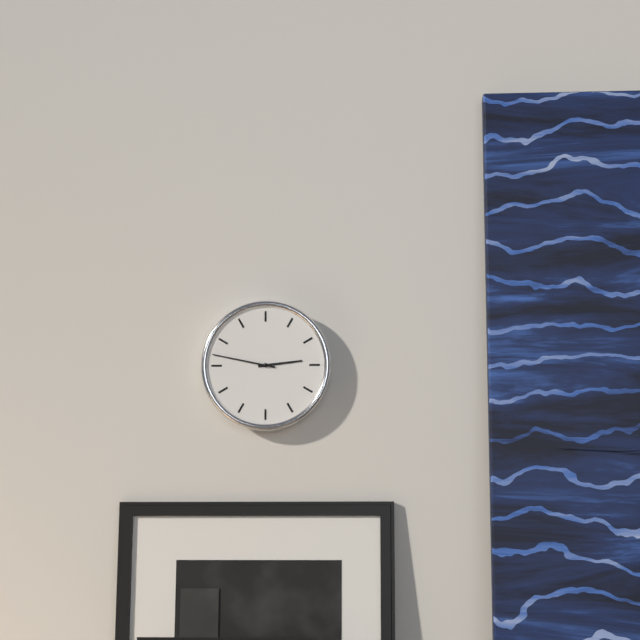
2:47
